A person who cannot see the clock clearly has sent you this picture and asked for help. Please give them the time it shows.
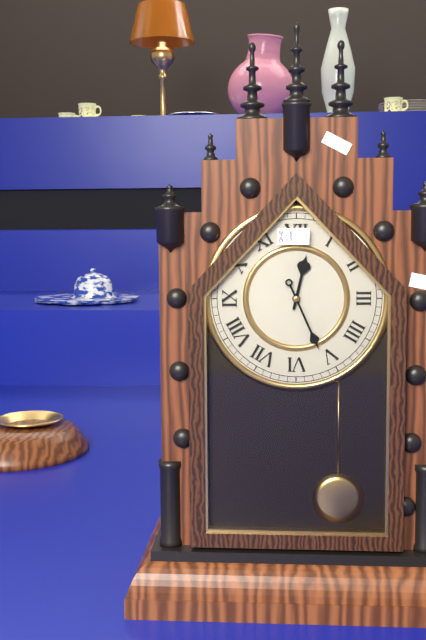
12:26
